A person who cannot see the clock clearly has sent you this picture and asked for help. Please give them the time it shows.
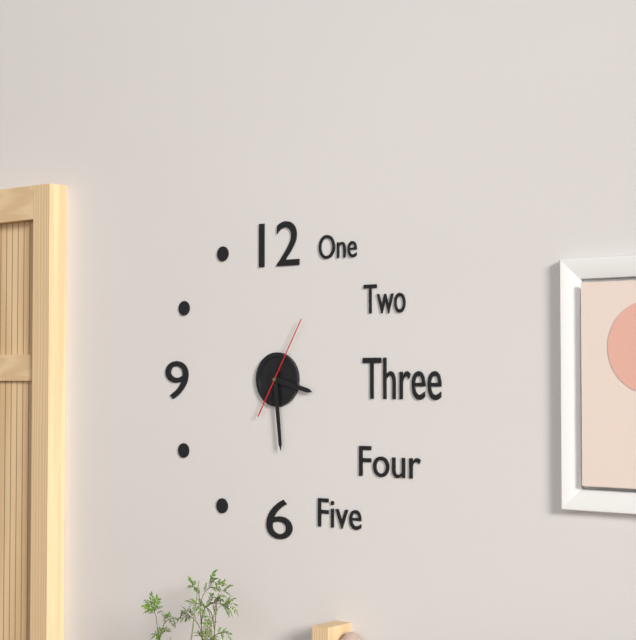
3:29:05
